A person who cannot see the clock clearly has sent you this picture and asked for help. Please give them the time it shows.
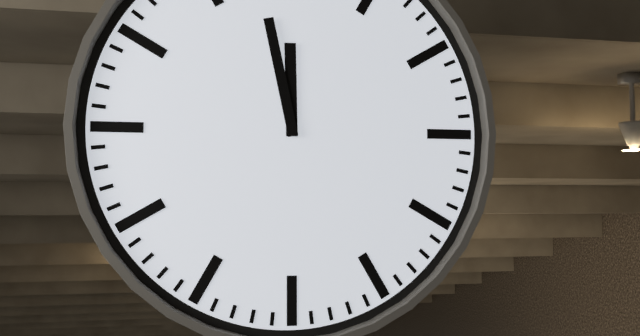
11:58
